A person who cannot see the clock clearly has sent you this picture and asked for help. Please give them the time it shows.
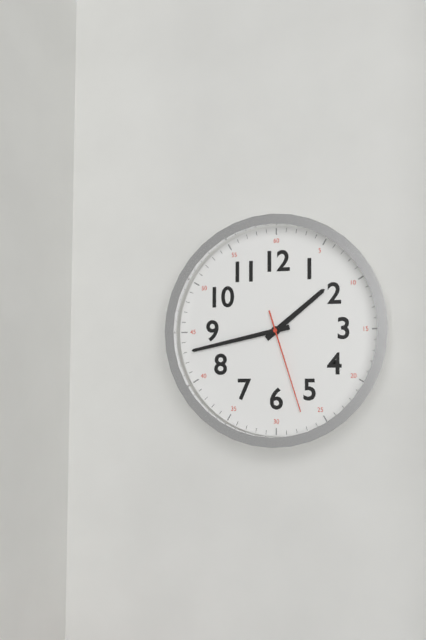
1:43:27
